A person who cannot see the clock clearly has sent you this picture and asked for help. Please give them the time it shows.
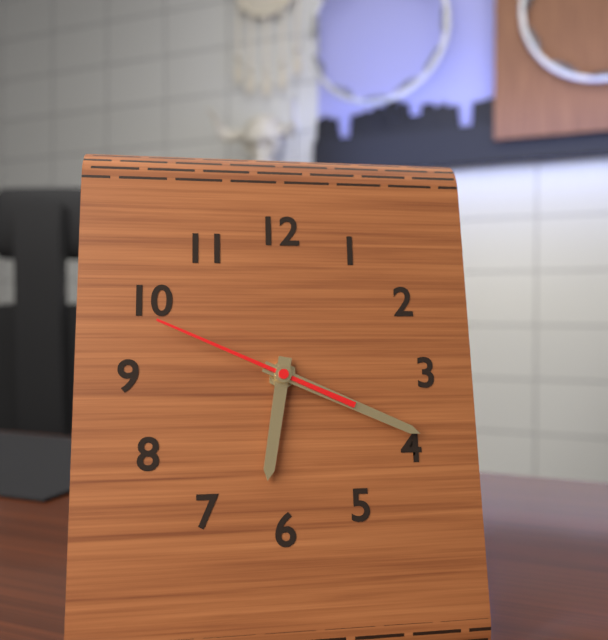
6:19:49
